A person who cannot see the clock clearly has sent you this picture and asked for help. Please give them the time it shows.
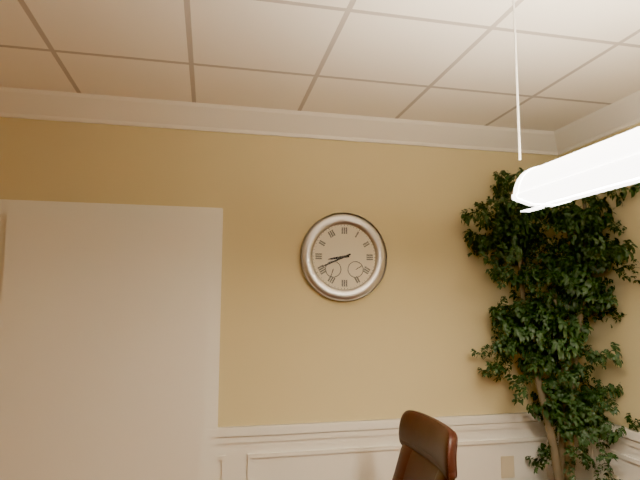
8:41
